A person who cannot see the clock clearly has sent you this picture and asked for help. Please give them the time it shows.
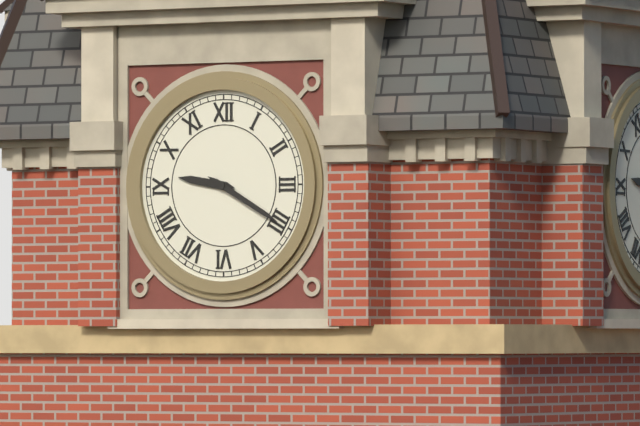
9:20
